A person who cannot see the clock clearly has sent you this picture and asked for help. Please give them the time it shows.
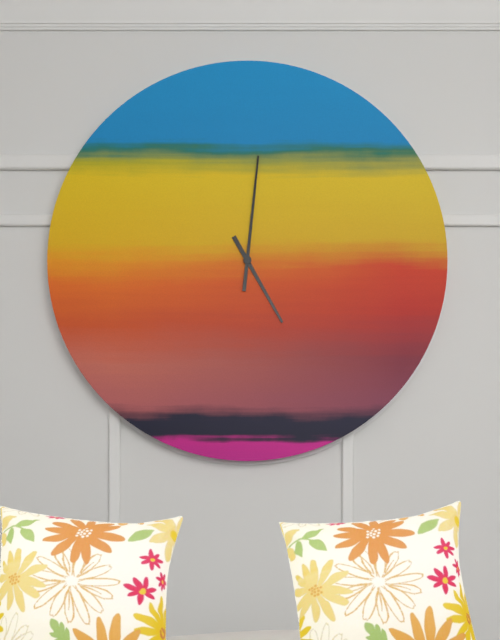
5:01
